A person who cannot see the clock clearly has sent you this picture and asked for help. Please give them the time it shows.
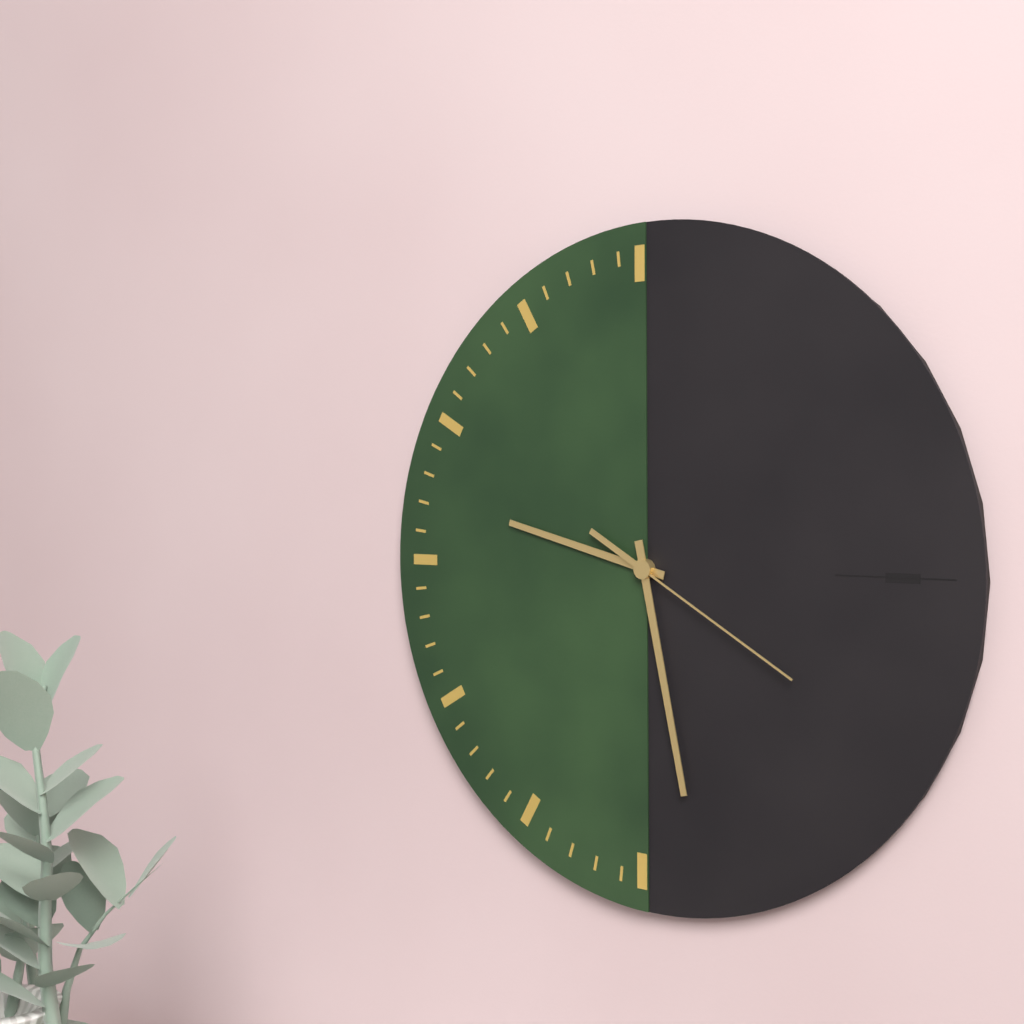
9:28:20
